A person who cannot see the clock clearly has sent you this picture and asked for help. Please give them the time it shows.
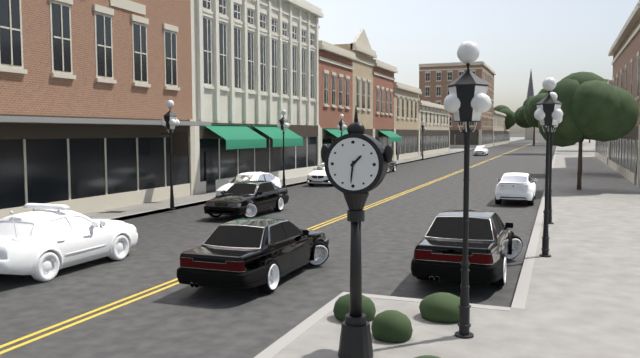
1:31
